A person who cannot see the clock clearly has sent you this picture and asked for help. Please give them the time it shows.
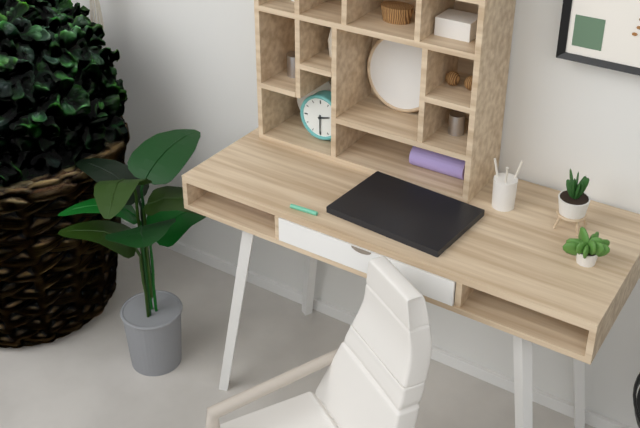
2:30
